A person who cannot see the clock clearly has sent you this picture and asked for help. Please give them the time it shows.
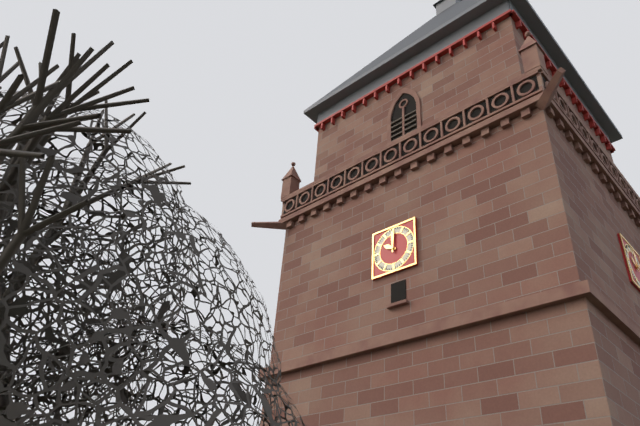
10:00
